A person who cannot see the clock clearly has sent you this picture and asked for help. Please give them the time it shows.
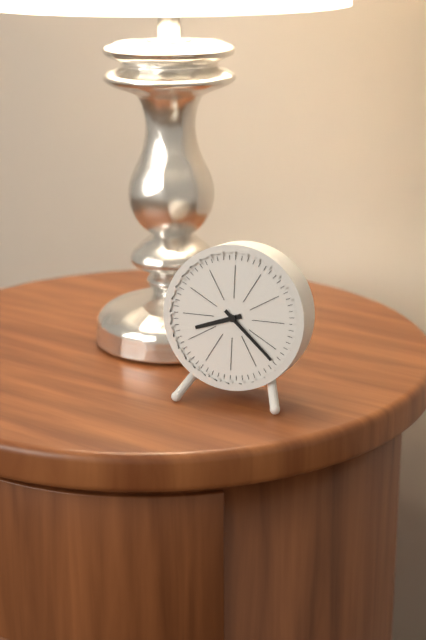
8:22
